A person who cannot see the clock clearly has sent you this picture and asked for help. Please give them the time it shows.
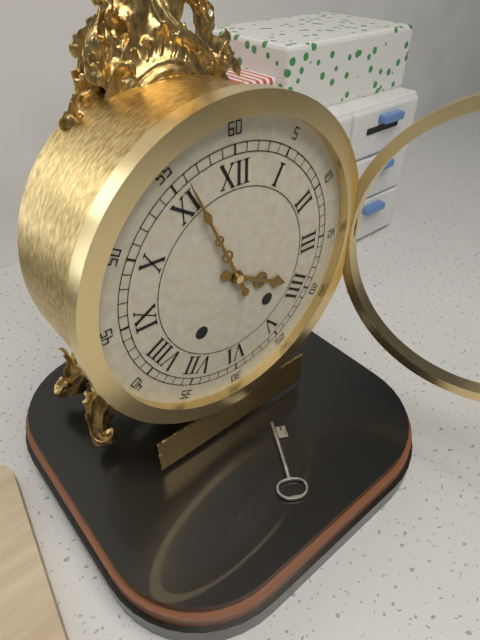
3:56
